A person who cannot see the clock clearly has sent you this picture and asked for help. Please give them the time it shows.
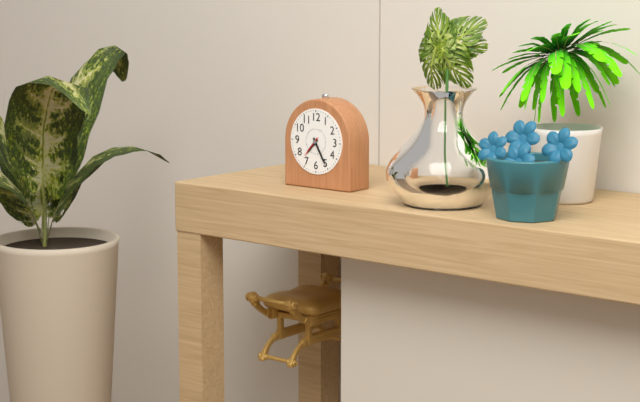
7:25
